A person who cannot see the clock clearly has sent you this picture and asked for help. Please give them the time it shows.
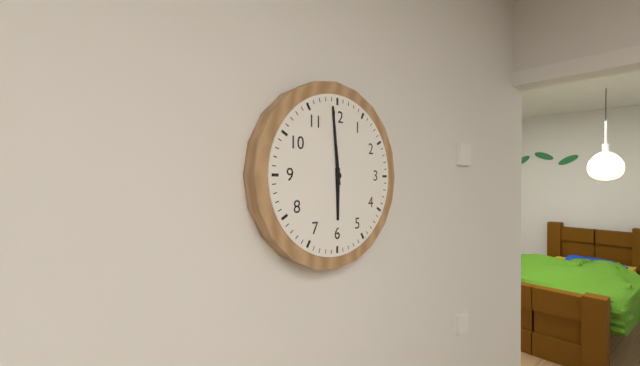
5:59
